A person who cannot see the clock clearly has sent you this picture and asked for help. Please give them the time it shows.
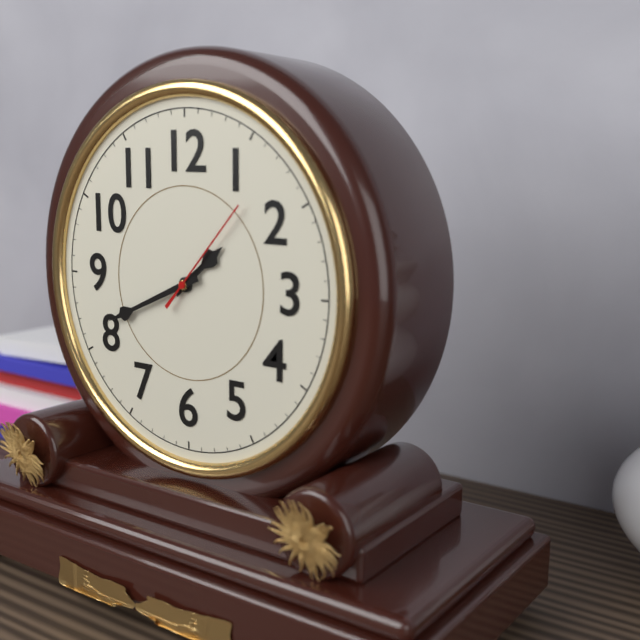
1:41:07
